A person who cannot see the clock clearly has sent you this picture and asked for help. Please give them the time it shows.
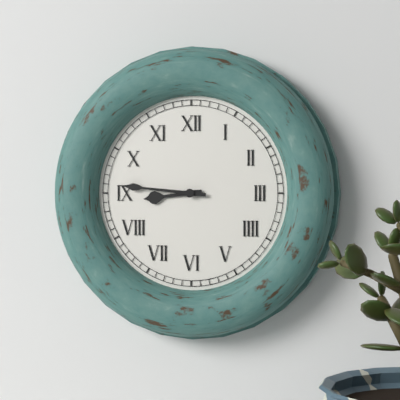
8:46
